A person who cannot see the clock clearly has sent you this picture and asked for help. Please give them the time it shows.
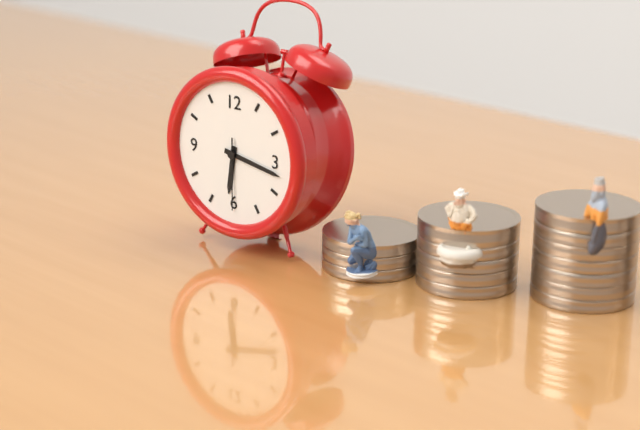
6:17:30
